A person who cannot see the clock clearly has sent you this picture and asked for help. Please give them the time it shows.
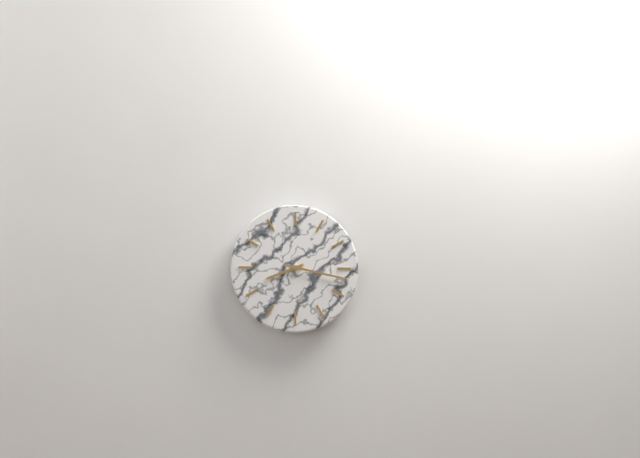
8:17
